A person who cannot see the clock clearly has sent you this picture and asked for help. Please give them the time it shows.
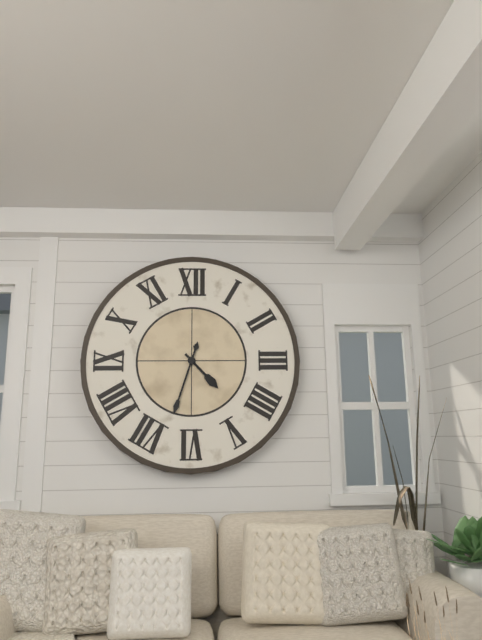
4:33
